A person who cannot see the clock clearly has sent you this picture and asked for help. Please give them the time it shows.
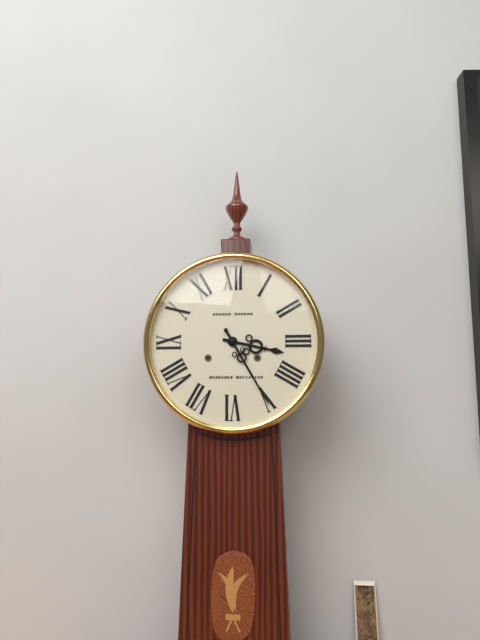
3:25
